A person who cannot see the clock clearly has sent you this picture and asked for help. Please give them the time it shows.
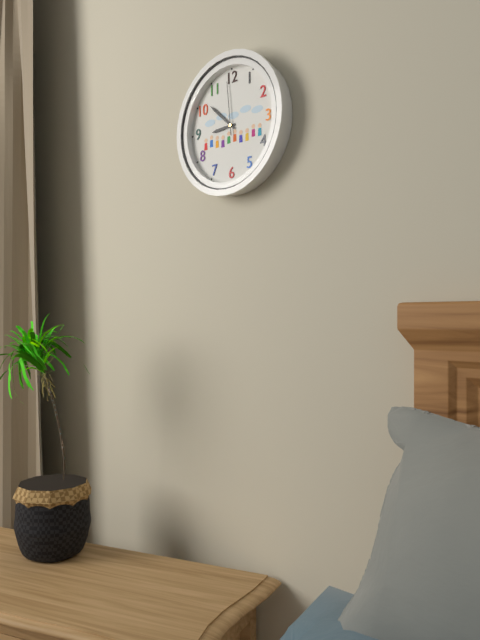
8:52:59
